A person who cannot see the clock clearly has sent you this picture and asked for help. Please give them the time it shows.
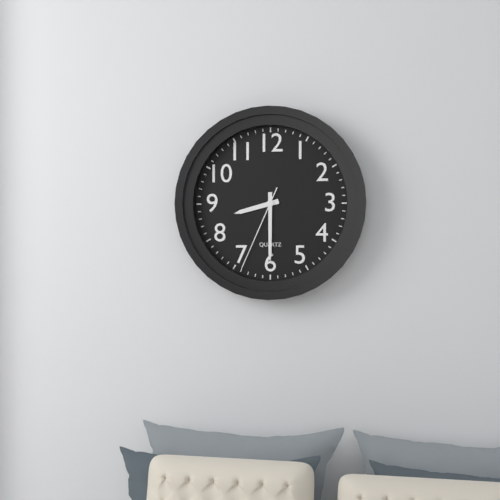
8:30:34
